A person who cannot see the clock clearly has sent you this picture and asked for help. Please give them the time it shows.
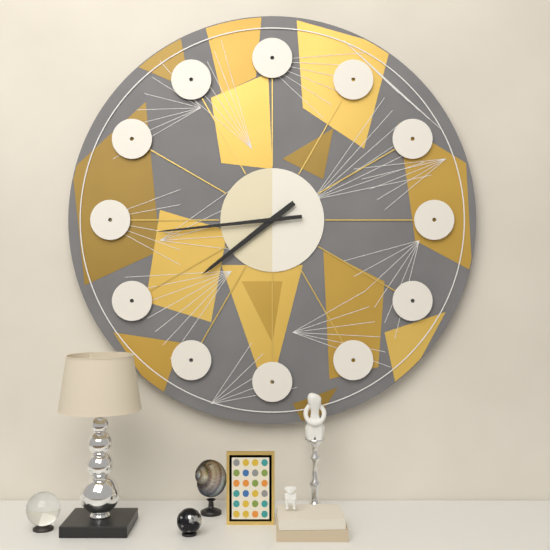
7:44
